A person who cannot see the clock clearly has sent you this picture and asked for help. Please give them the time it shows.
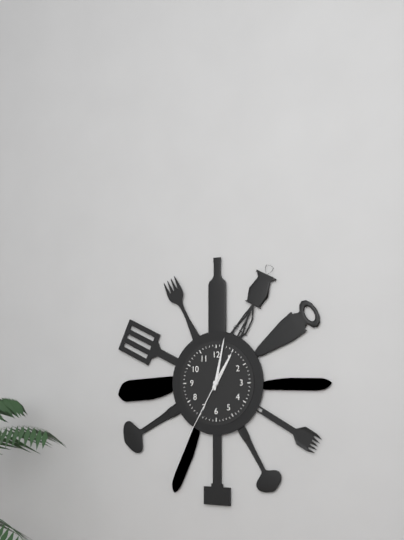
1:02:35
